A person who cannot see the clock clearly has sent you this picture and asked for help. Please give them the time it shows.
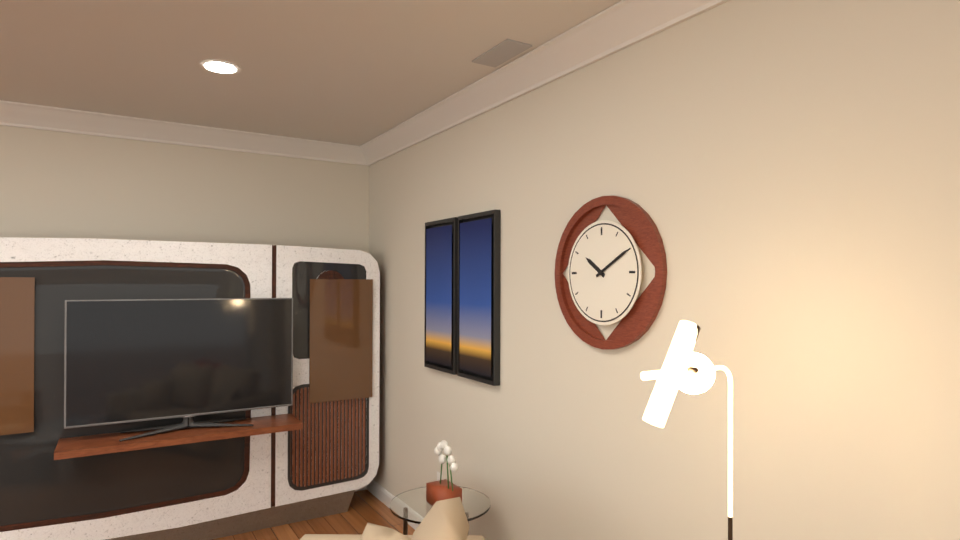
10:10
